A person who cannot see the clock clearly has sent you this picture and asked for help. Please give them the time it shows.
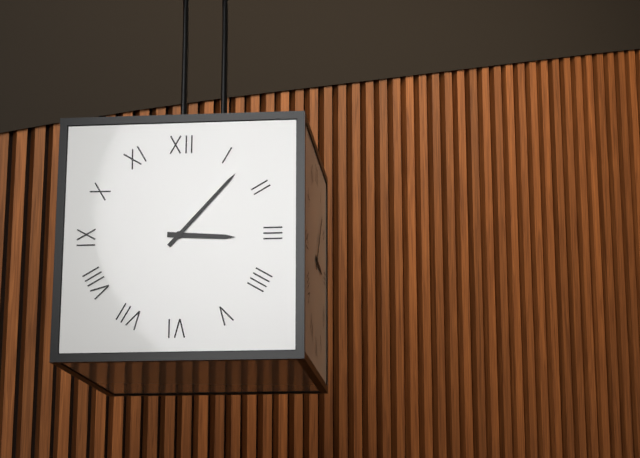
3:07
